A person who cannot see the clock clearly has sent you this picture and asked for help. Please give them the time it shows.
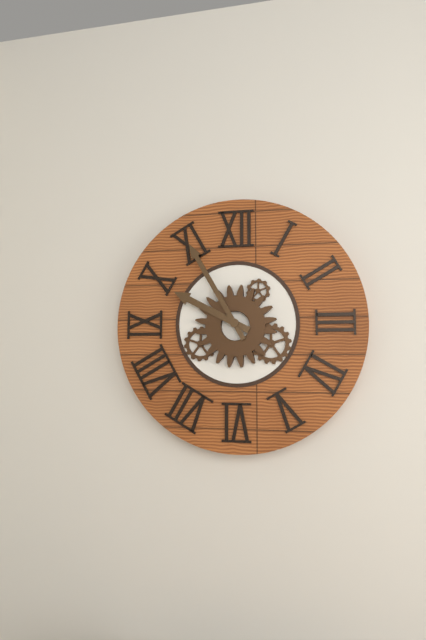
9:55
